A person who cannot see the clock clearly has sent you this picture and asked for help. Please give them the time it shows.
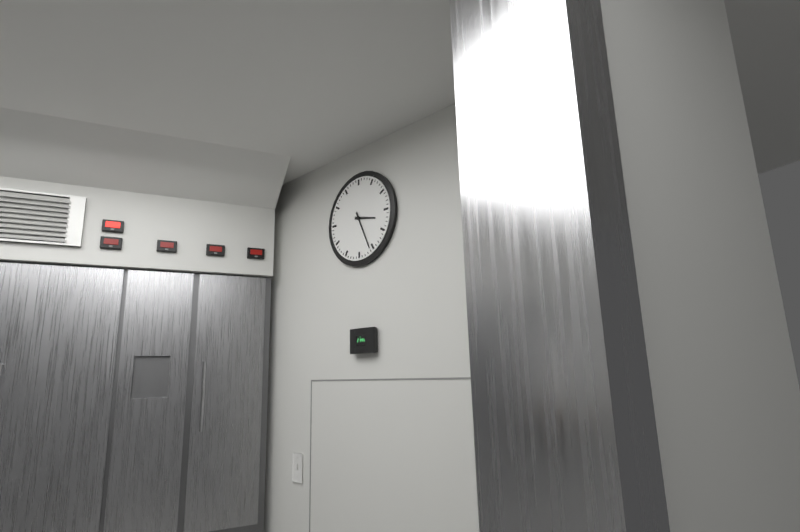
3:26
